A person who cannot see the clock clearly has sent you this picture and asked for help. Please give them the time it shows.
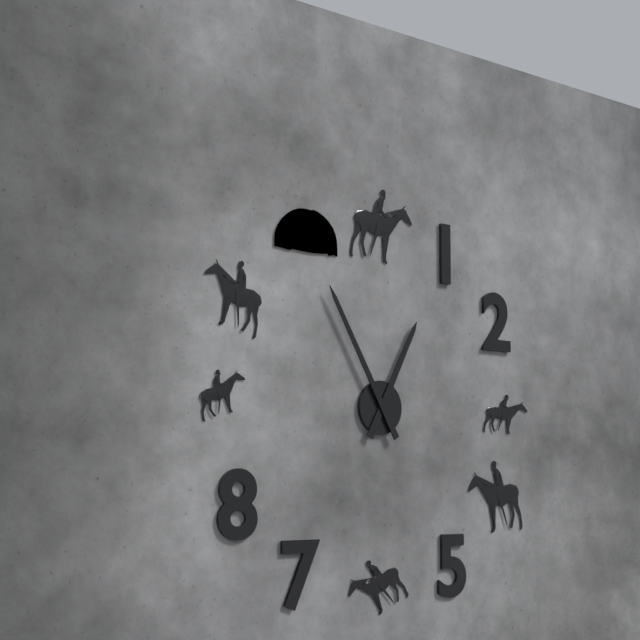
12:55
